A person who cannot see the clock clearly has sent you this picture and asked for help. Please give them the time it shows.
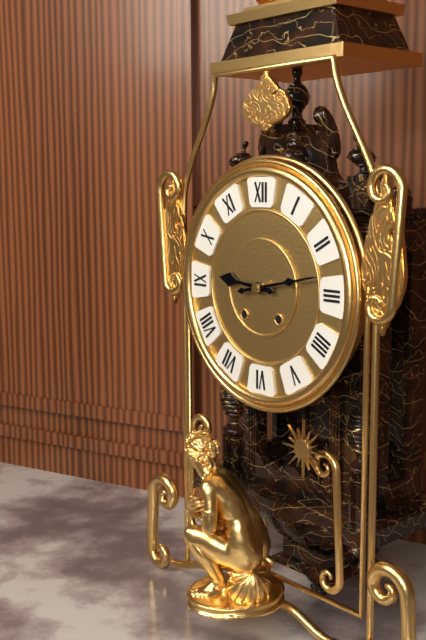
9:13
